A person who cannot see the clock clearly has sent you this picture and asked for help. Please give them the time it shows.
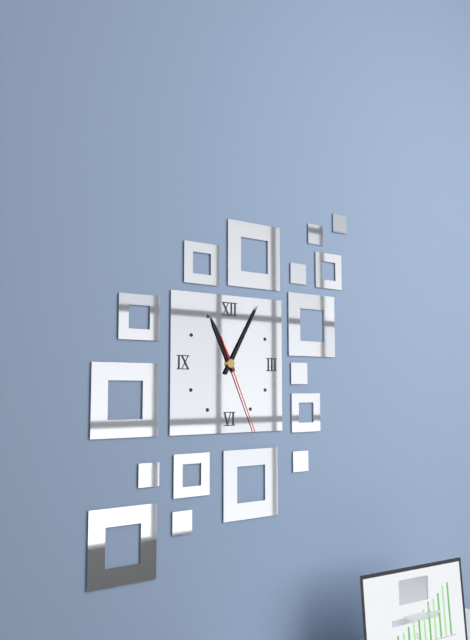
11:05:26
